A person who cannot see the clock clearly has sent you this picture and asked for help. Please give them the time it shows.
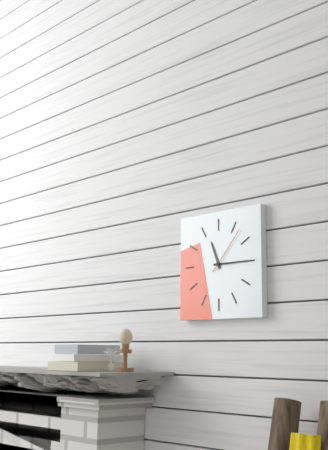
11:15:07
